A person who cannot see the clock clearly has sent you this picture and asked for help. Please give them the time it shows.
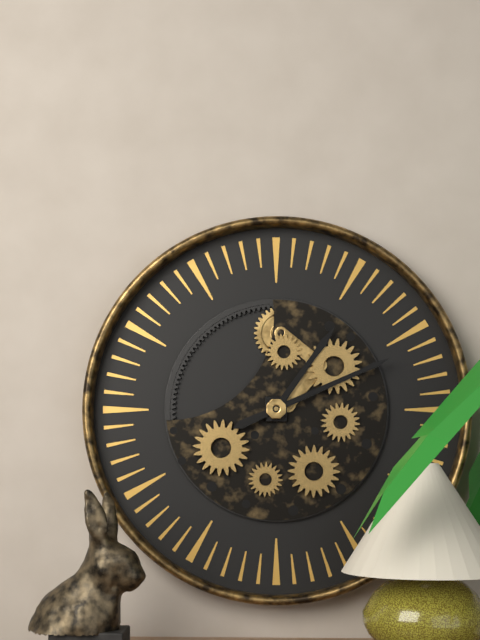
1:11
